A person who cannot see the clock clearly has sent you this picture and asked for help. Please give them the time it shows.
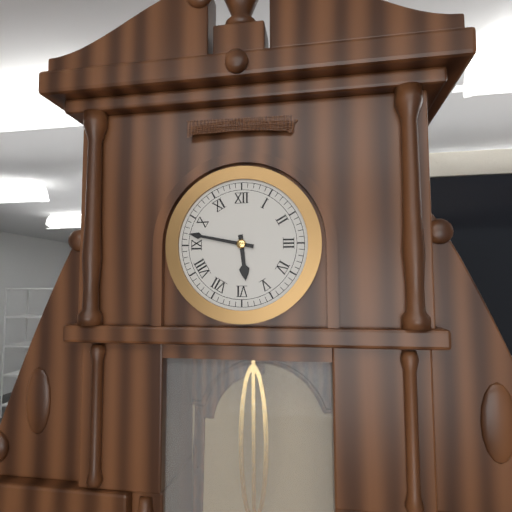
5:47
